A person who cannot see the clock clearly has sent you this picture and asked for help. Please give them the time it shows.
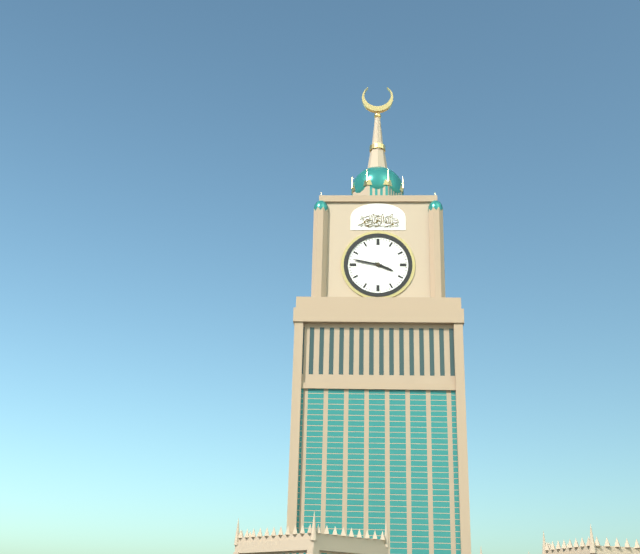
3:47
